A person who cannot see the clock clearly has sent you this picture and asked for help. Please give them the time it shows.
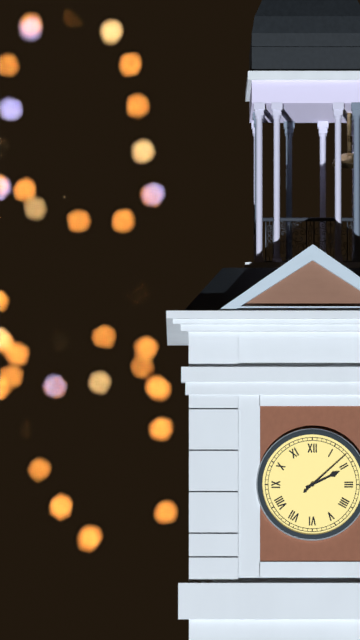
2:08
